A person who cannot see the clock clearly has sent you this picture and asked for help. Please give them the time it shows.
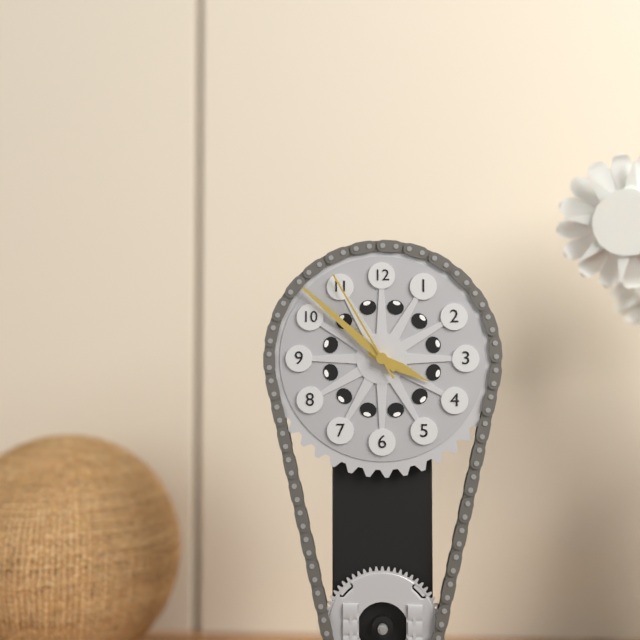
3:52:55
